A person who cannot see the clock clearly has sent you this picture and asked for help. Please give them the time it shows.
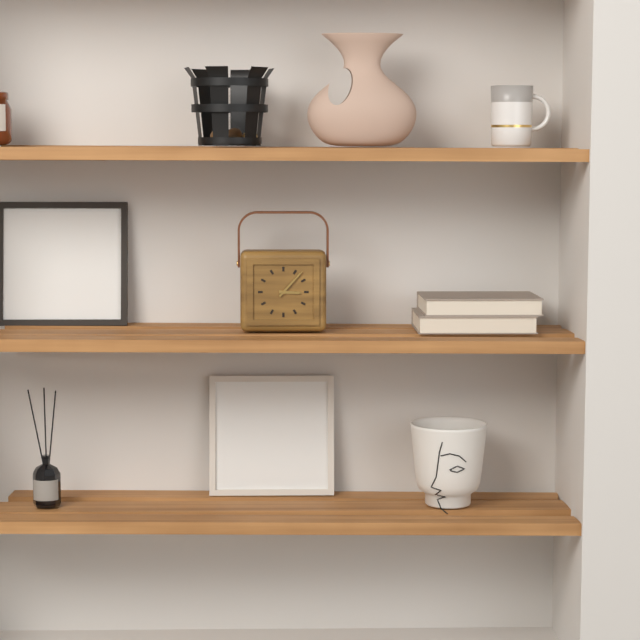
3:07
